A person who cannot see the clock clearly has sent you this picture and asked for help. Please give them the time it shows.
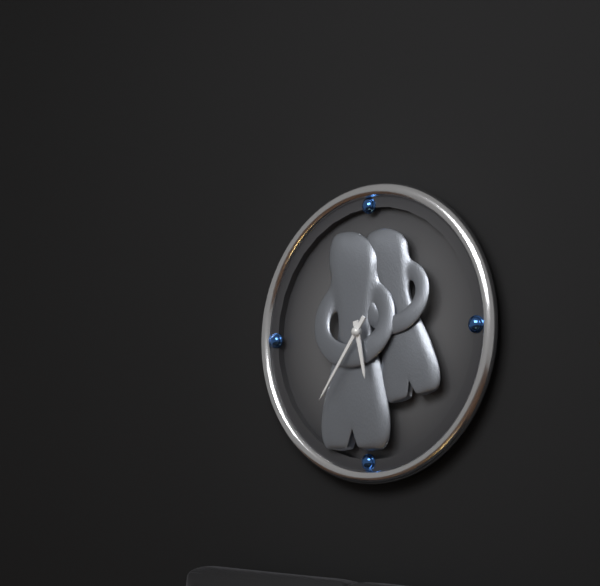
5:36
